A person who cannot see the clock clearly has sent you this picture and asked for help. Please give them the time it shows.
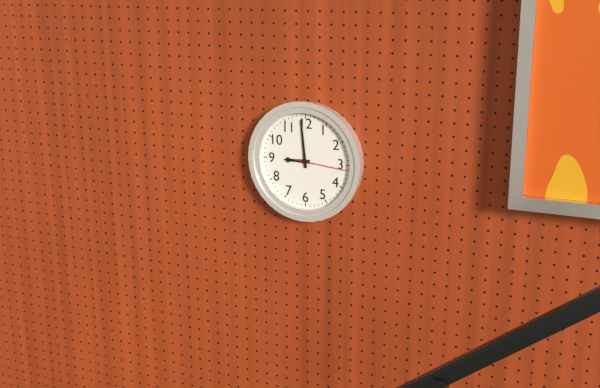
8:59:16
